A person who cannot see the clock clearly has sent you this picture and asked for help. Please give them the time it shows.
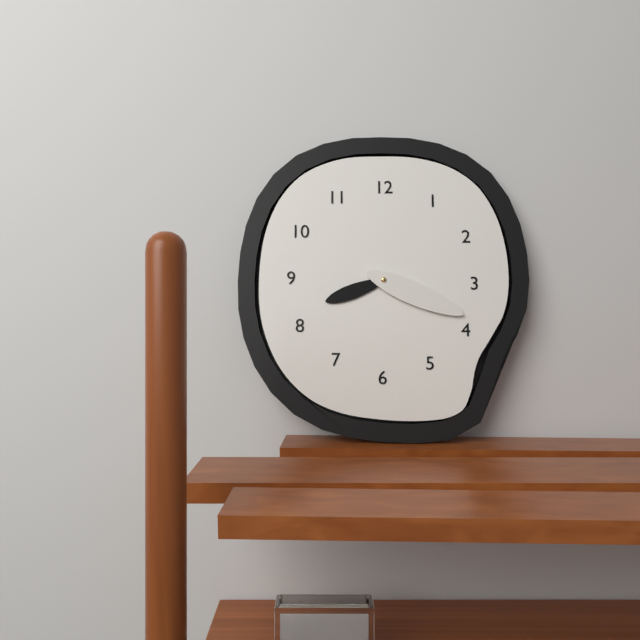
8:19
